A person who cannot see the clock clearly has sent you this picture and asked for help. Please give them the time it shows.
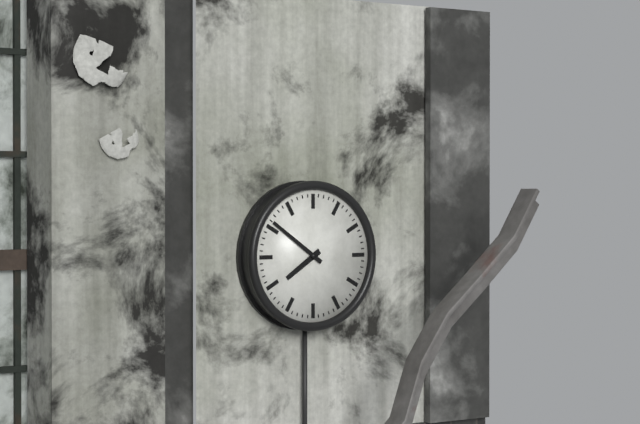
7:51
